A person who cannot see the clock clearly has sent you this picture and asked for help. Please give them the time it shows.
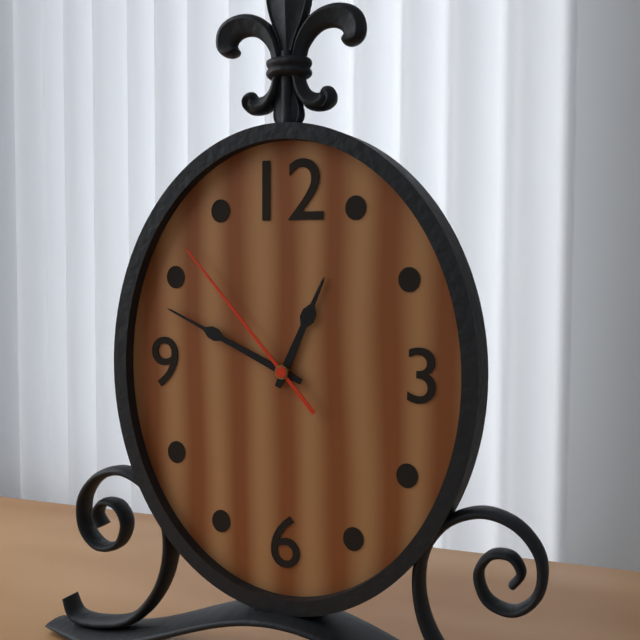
12:49:53
